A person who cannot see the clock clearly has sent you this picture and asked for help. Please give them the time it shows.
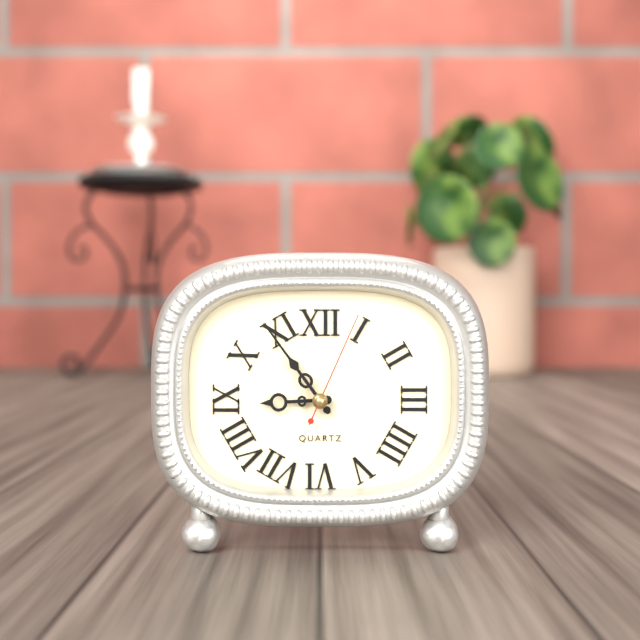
8:54:04
